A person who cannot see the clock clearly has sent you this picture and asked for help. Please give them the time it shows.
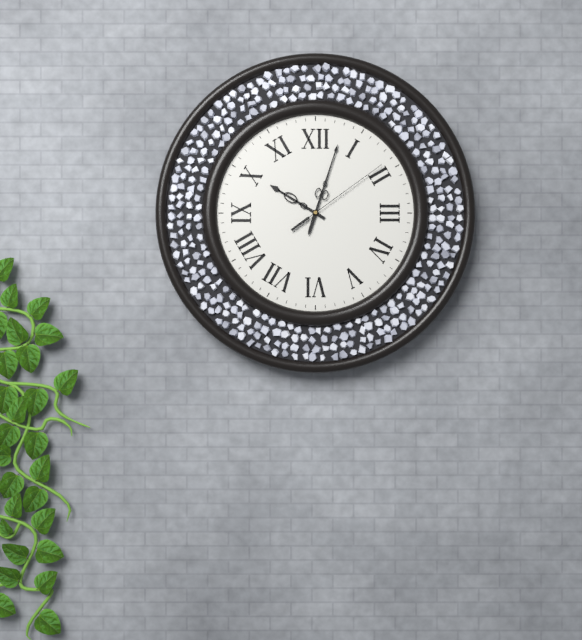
10:03:09
